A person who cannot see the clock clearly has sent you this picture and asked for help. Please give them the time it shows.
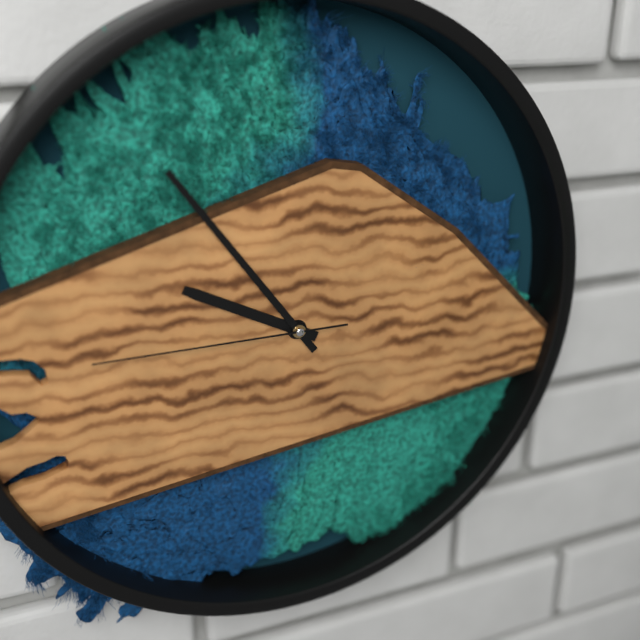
9:54:45
